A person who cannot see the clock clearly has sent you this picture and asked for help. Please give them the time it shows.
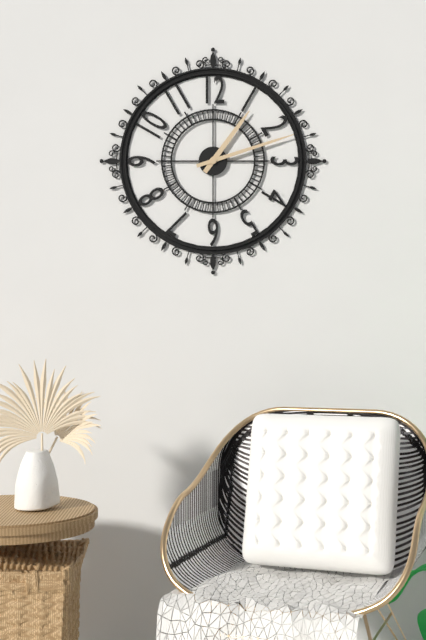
1:12
